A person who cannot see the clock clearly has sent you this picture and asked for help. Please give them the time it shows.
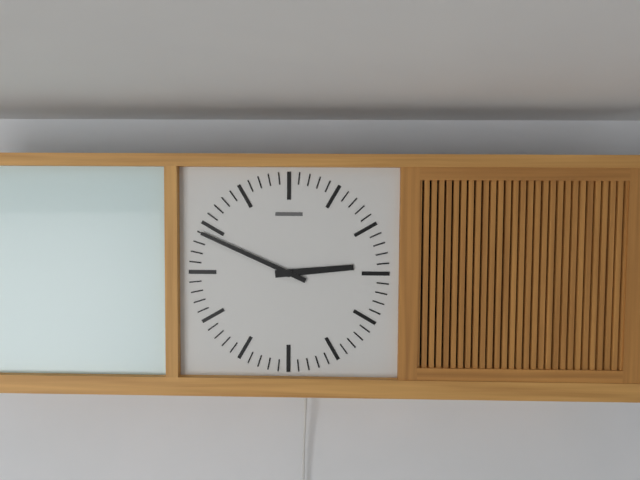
2:49
